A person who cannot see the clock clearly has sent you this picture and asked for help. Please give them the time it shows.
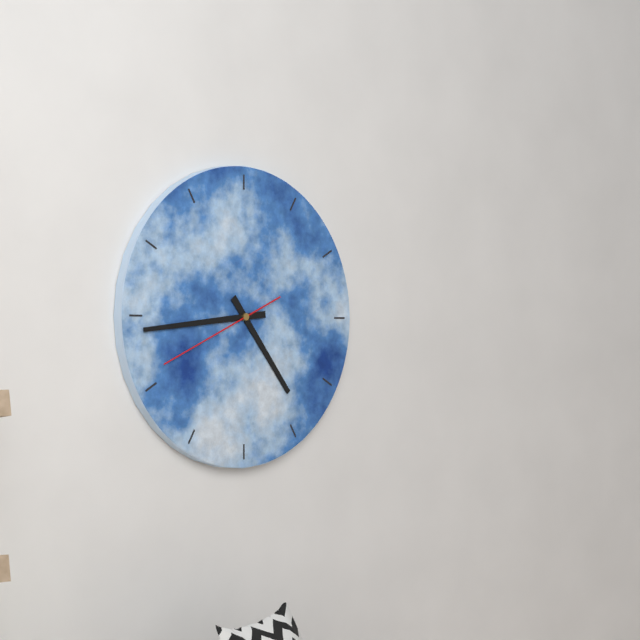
4:44:41
